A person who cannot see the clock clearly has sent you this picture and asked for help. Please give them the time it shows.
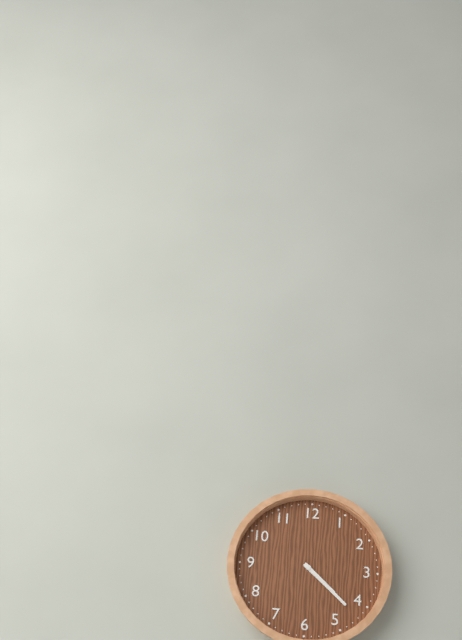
4:22
